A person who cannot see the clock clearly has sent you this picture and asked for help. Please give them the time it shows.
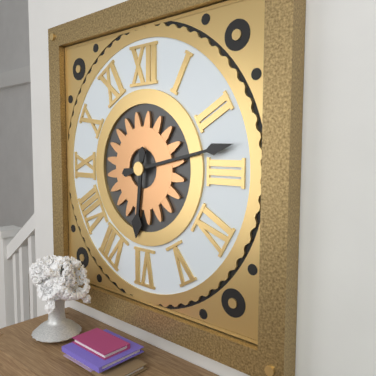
6:13
